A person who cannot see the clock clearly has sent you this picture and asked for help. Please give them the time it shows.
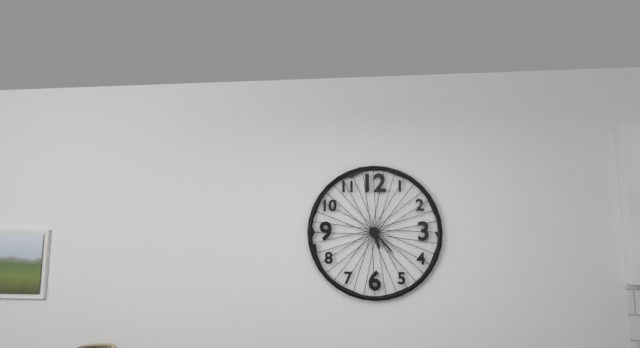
5:23
